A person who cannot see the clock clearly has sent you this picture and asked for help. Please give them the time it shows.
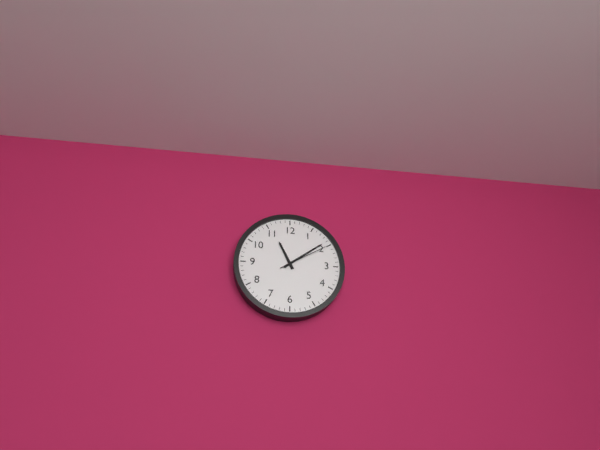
11:09:10
